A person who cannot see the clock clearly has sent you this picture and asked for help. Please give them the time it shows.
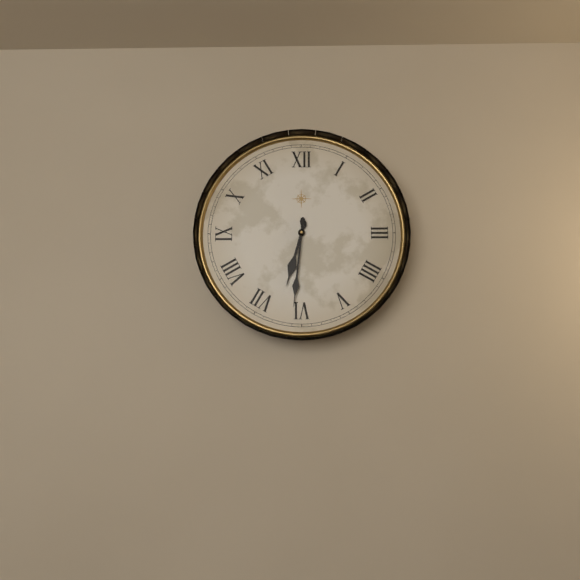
6:31
